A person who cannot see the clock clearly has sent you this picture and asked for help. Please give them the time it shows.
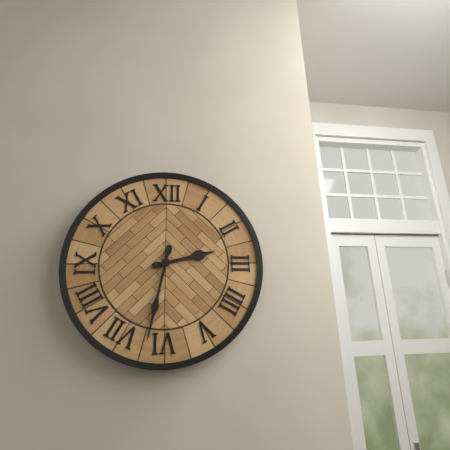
2:32
